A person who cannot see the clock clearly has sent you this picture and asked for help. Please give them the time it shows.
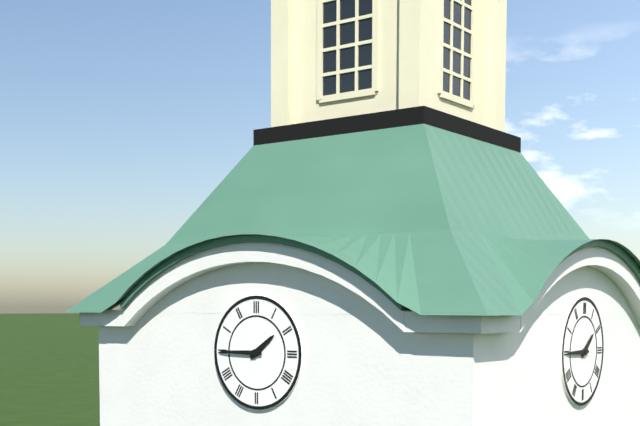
1:45
